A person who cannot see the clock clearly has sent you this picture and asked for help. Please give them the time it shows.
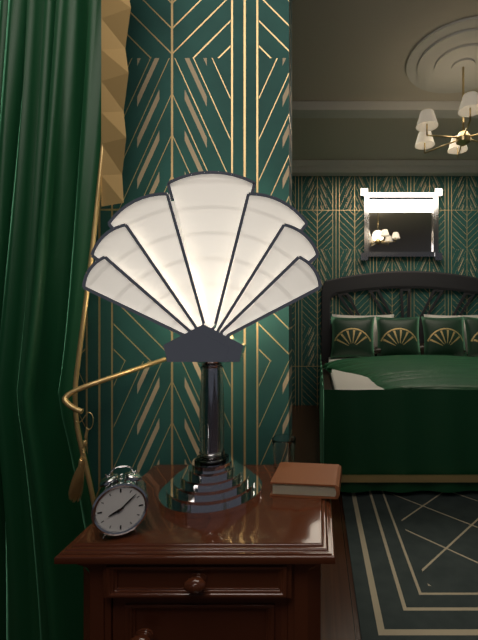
8:08
